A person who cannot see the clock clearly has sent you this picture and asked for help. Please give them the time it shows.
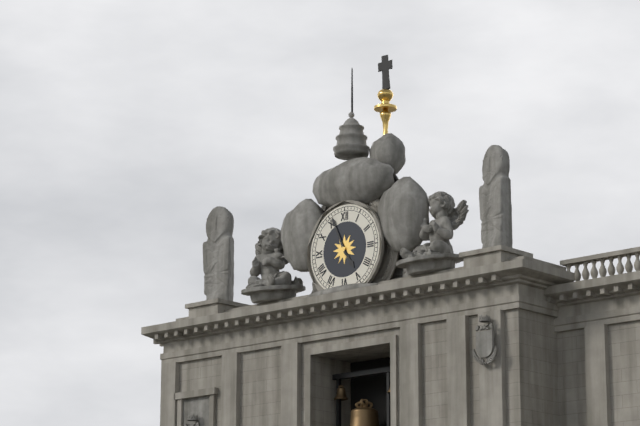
4:56
